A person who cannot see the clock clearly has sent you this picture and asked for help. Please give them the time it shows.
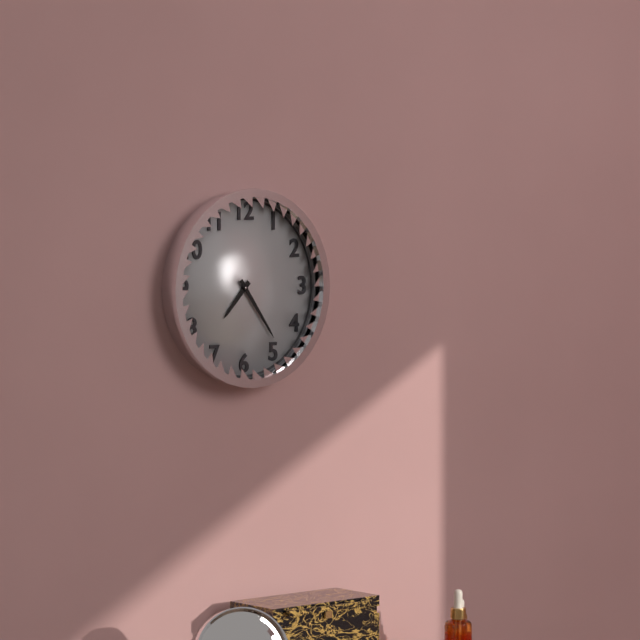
7:24
